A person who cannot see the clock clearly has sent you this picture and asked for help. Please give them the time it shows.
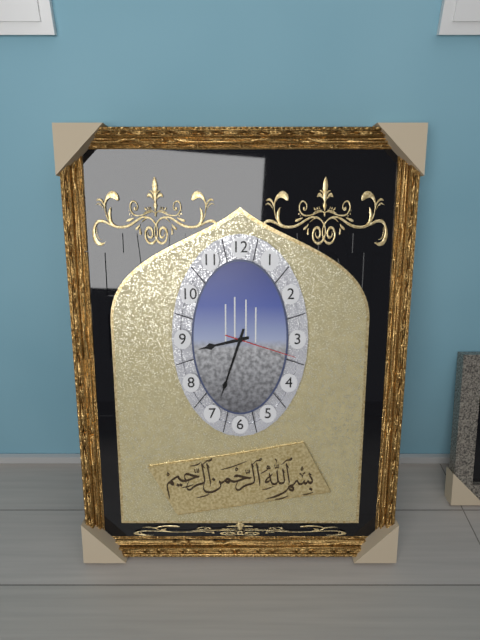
8:33:18
